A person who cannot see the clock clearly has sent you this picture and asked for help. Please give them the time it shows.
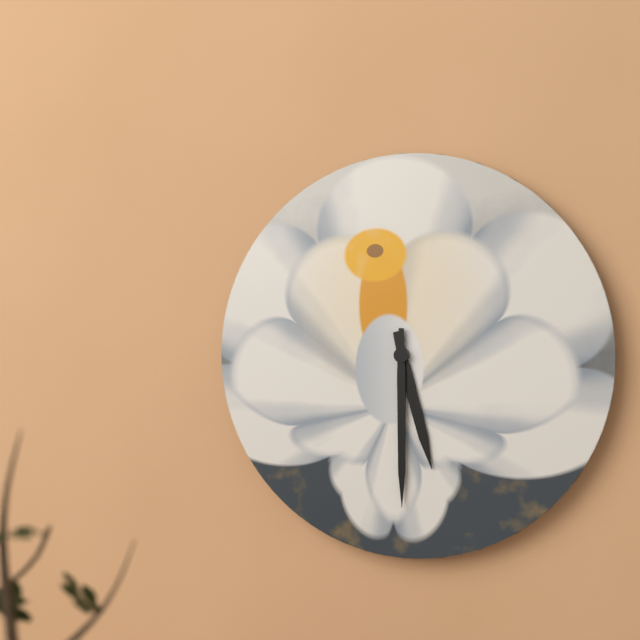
5:30
